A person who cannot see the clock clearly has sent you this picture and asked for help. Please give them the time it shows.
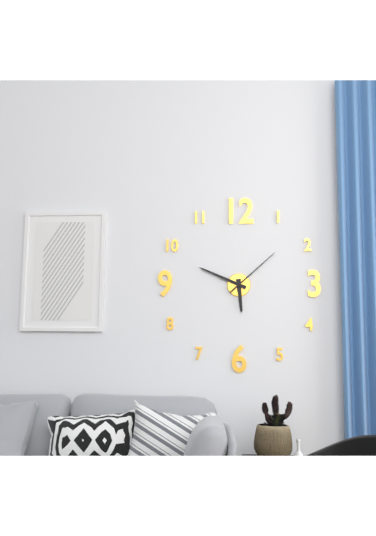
5:49:08
